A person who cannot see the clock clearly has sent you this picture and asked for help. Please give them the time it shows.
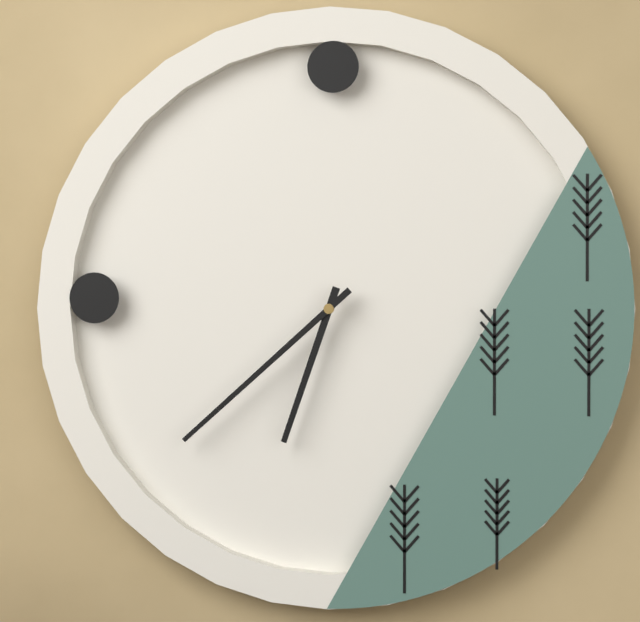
6:38
